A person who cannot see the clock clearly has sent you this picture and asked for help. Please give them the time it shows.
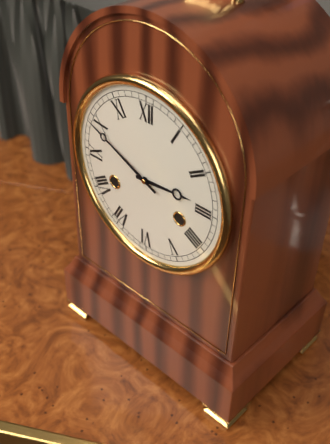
2:49
